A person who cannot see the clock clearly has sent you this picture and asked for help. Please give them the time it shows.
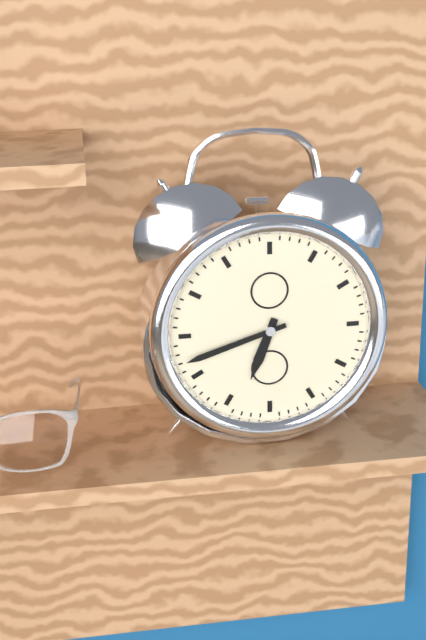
6:42
